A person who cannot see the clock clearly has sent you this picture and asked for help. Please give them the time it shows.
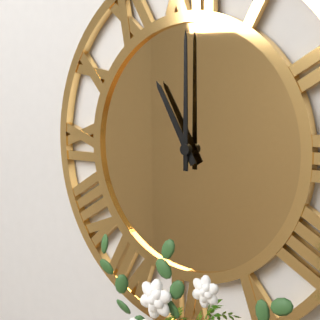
11:00
